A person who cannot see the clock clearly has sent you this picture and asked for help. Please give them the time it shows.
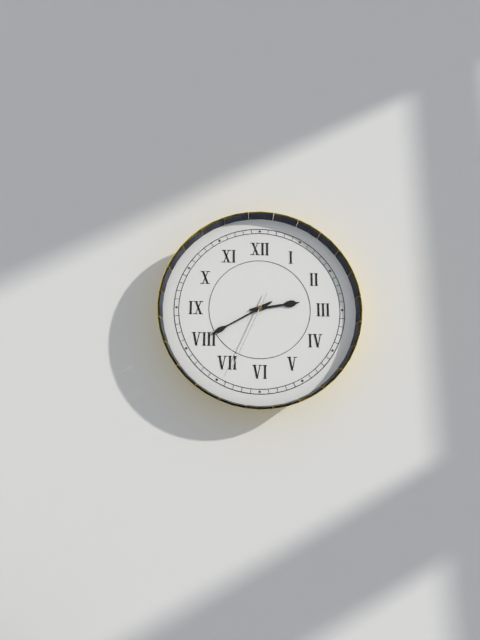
2:40:34
